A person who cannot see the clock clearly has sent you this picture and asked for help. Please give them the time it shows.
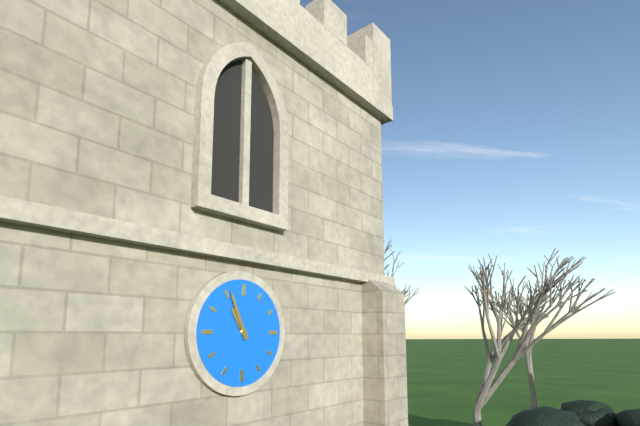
10:56
